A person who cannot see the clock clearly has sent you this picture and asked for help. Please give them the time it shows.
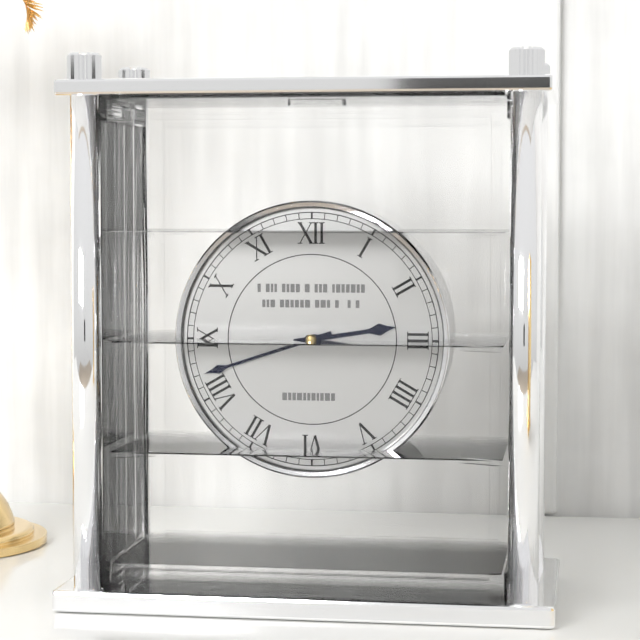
2:42
